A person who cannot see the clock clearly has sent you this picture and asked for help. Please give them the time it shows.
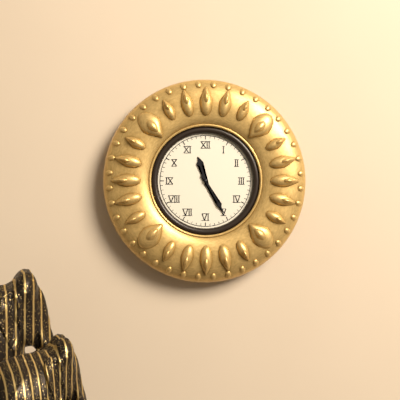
11:25
